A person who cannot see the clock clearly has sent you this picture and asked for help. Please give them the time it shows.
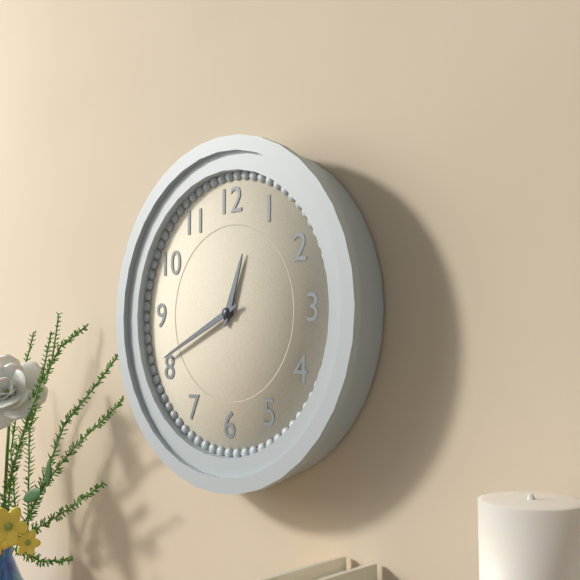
12:41
